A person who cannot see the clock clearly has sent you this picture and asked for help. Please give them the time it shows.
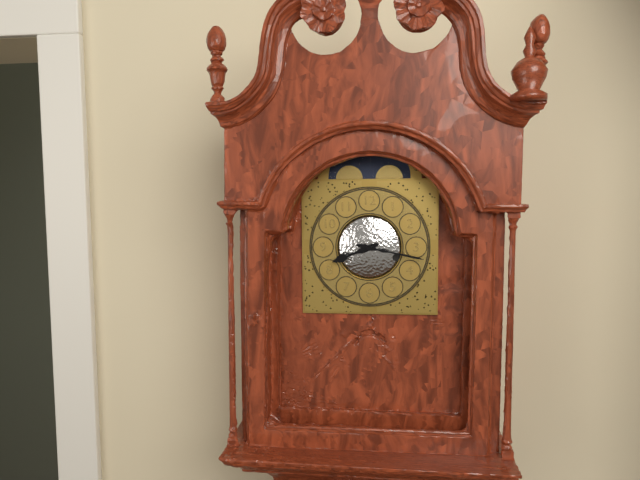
8:17
